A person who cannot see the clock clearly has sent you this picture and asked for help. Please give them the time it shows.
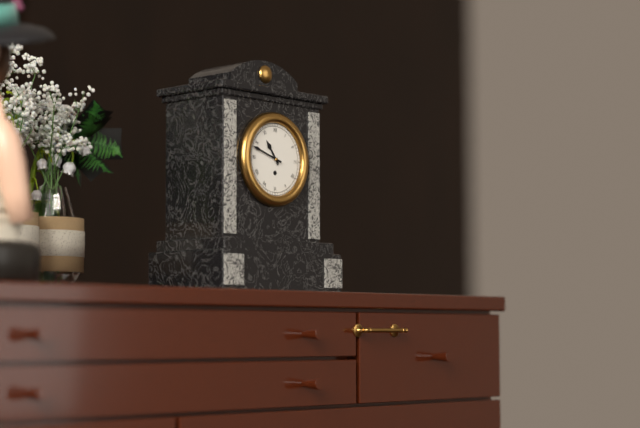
10:48
